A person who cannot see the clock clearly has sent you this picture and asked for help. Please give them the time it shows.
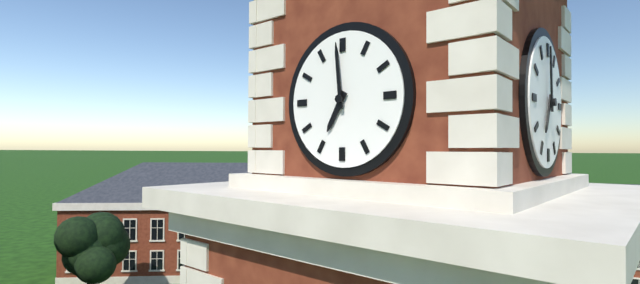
6:59
